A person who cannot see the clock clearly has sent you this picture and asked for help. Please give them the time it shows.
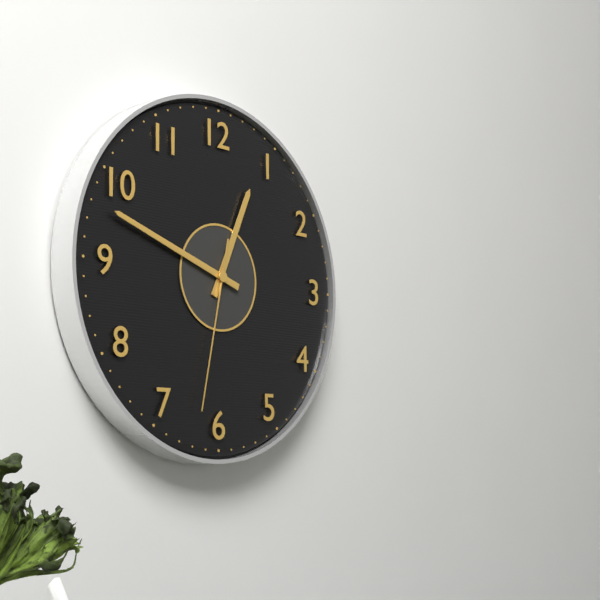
12:48:32
